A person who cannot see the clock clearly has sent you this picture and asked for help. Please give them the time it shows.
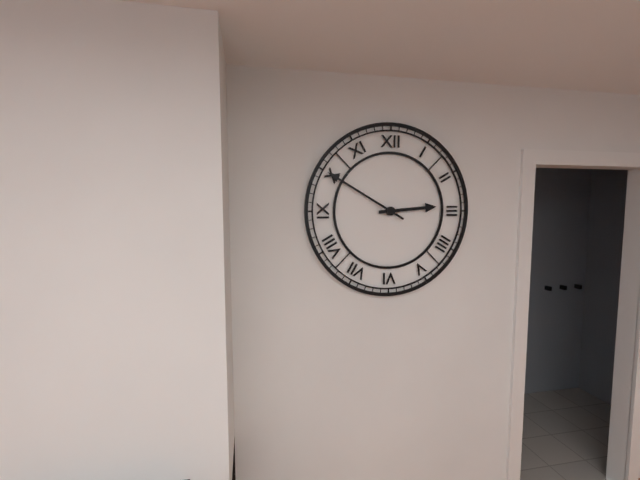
2:50
